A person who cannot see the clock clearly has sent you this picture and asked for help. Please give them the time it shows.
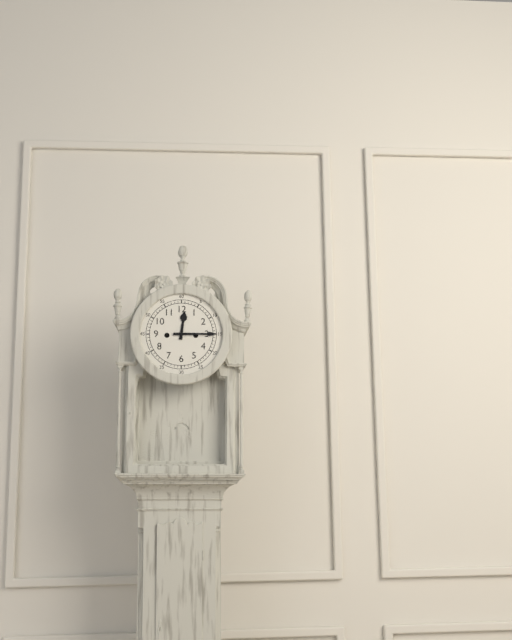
12:15
